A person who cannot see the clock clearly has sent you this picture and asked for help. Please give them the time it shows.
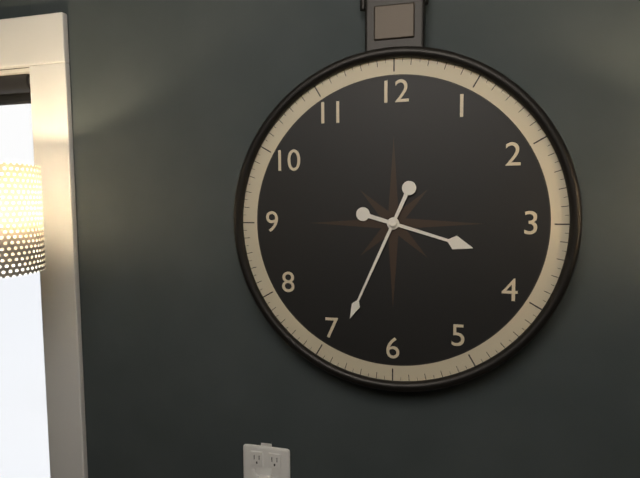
3:34
